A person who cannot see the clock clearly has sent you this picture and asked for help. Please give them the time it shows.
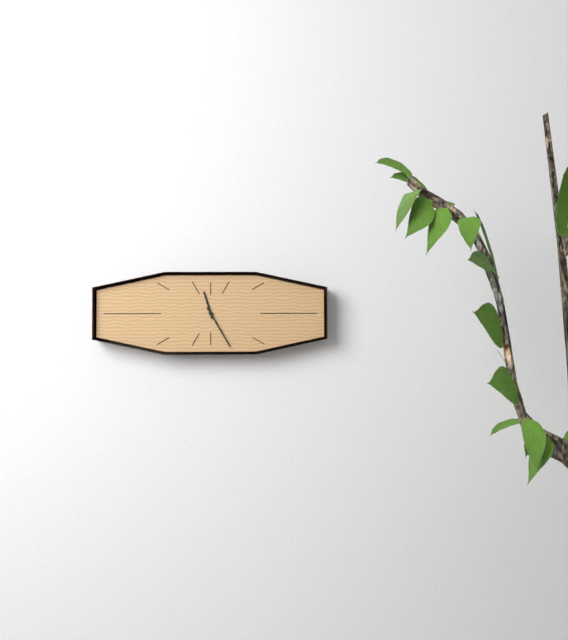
11:25
